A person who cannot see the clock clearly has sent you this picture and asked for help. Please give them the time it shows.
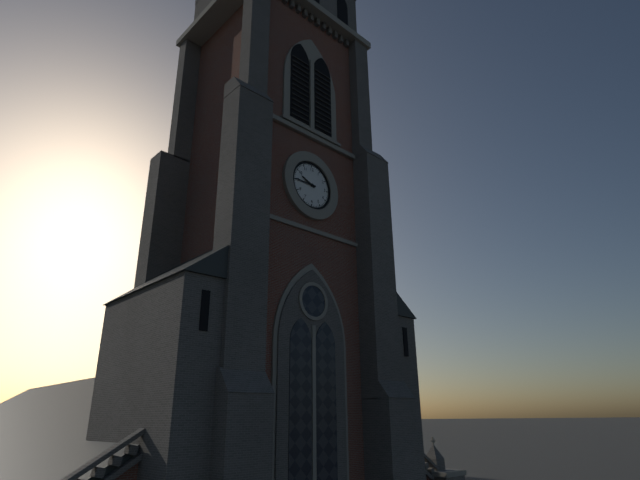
9:45
